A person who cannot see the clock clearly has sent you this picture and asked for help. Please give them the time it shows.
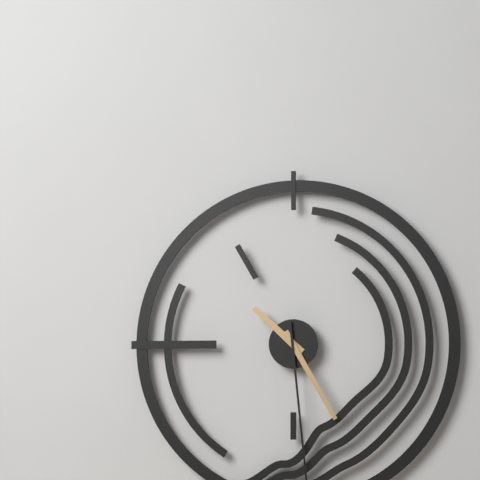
10:25
